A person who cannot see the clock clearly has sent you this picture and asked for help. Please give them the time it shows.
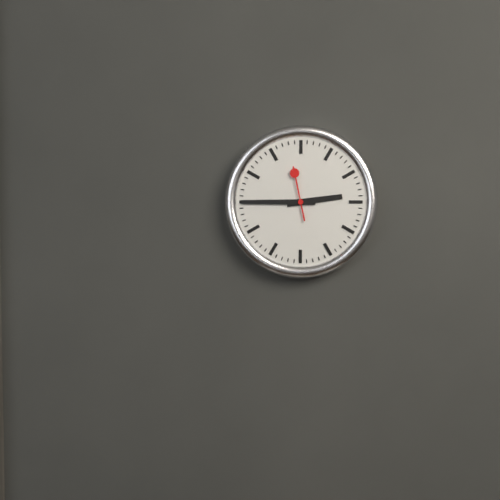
2:45
